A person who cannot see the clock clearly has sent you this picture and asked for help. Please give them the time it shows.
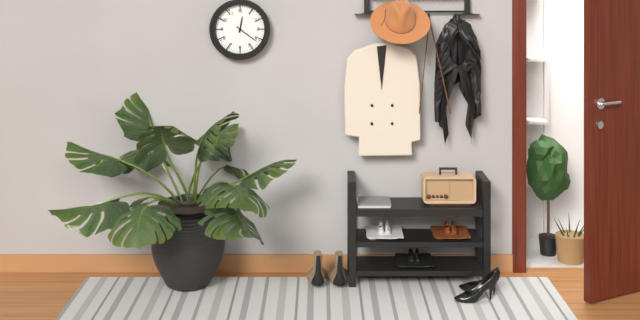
12:21
